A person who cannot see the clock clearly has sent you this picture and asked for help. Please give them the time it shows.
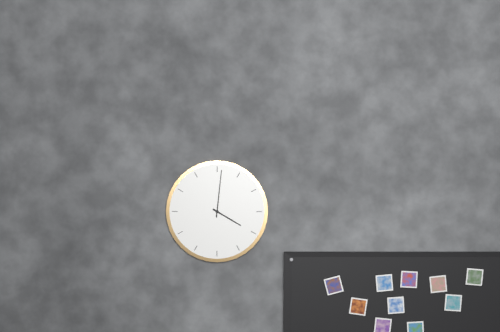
4:01
